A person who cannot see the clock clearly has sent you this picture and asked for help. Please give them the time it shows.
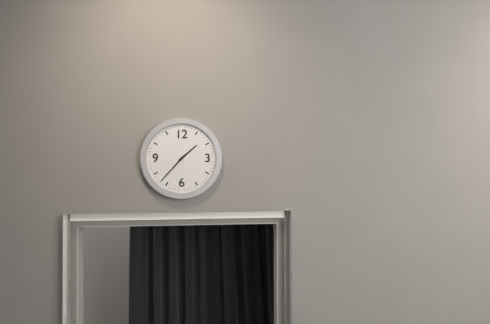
1:37
